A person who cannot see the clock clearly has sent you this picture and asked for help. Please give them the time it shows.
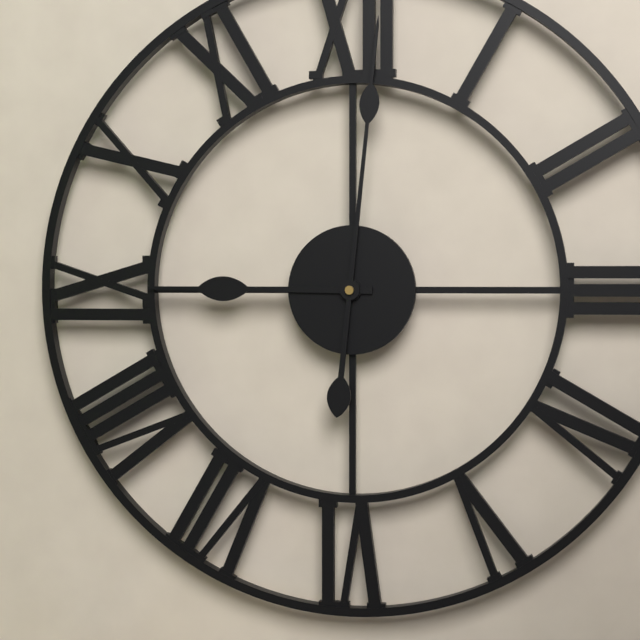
9:01
